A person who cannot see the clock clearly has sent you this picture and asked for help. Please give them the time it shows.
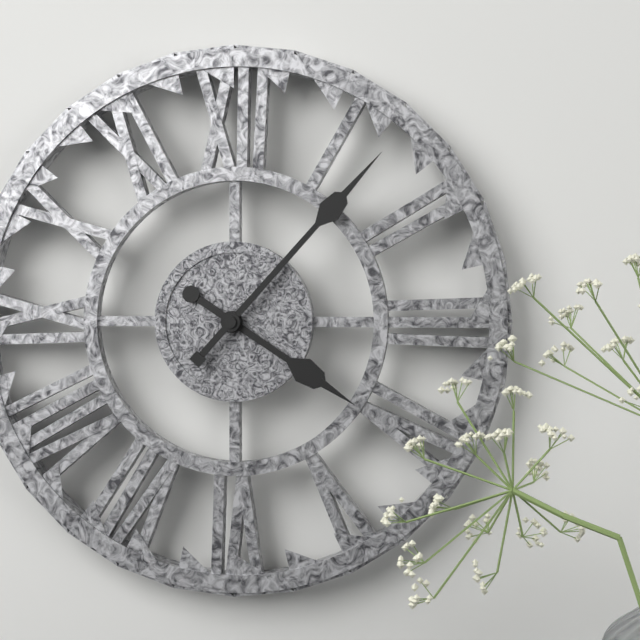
4:07
